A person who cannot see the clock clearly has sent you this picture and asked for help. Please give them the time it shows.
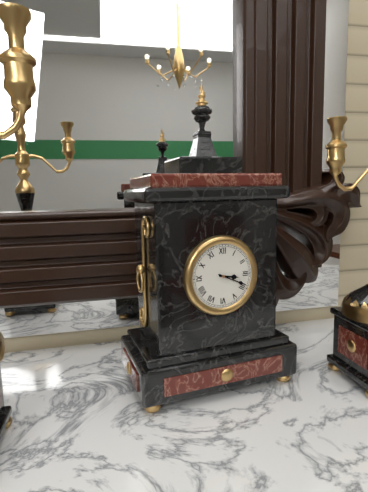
3:19
